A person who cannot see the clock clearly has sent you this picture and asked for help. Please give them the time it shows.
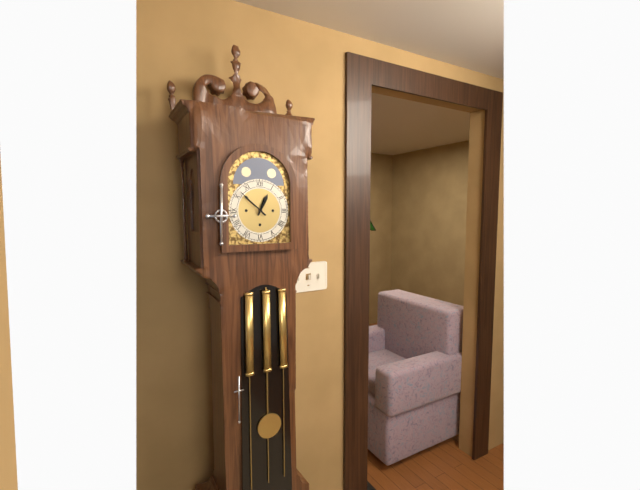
12:52
